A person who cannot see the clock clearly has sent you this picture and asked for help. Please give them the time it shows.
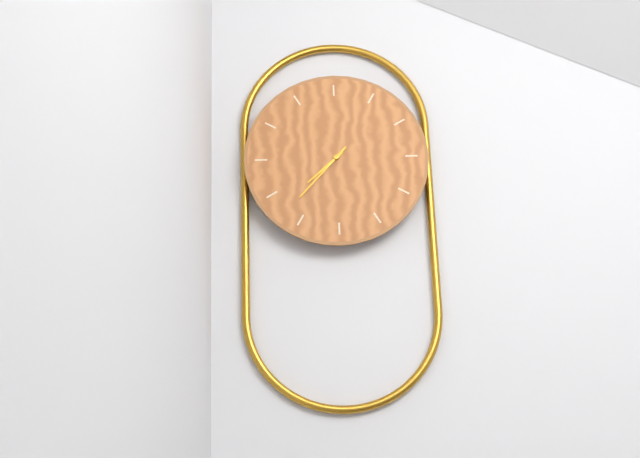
7:37
